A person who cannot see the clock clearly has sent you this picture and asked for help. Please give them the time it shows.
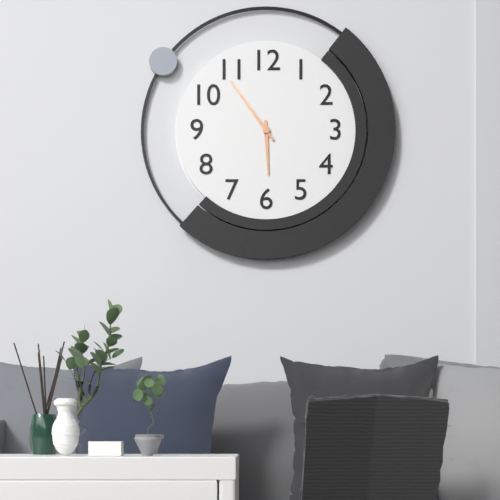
5:54
